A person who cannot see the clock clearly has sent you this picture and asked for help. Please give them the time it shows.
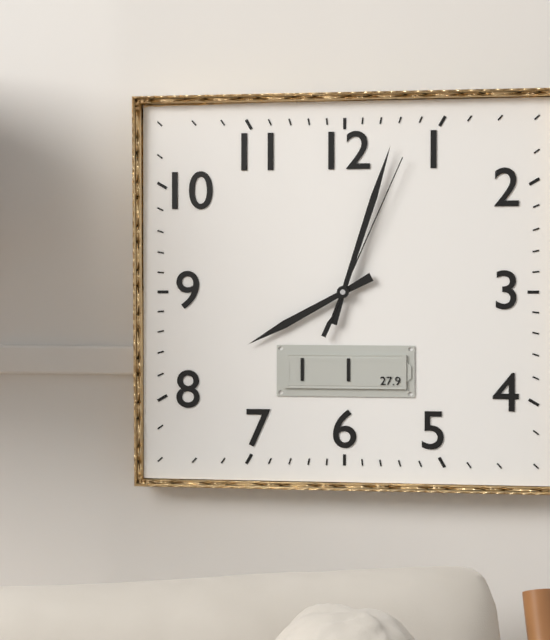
8:03:04
